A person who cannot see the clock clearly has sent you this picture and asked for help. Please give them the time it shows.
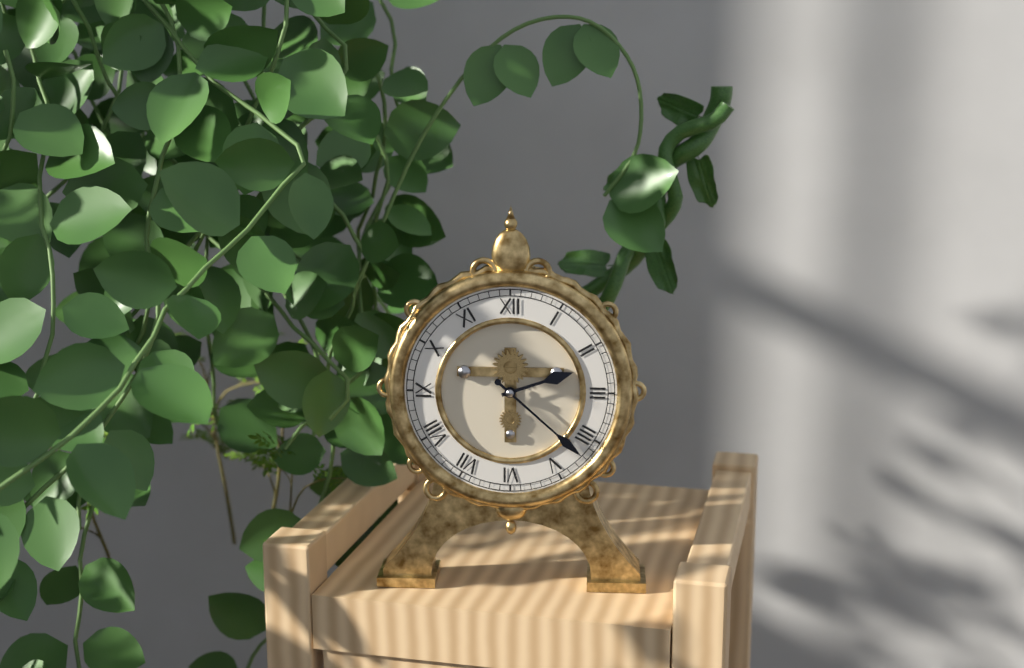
2:22
